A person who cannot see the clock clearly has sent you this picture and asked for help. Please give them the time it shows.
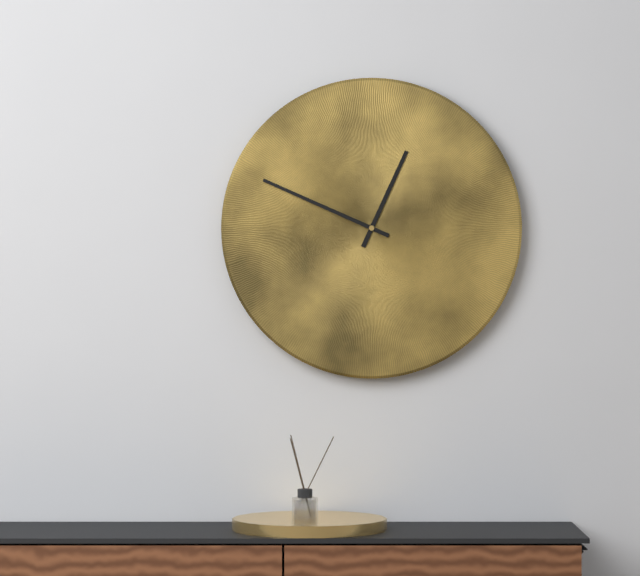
12:49
